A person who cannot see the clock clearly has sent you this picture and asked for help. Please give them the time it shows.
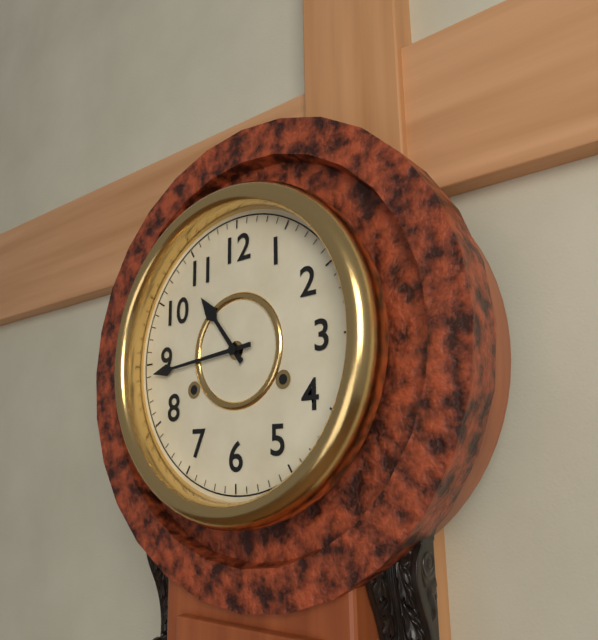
10:44
